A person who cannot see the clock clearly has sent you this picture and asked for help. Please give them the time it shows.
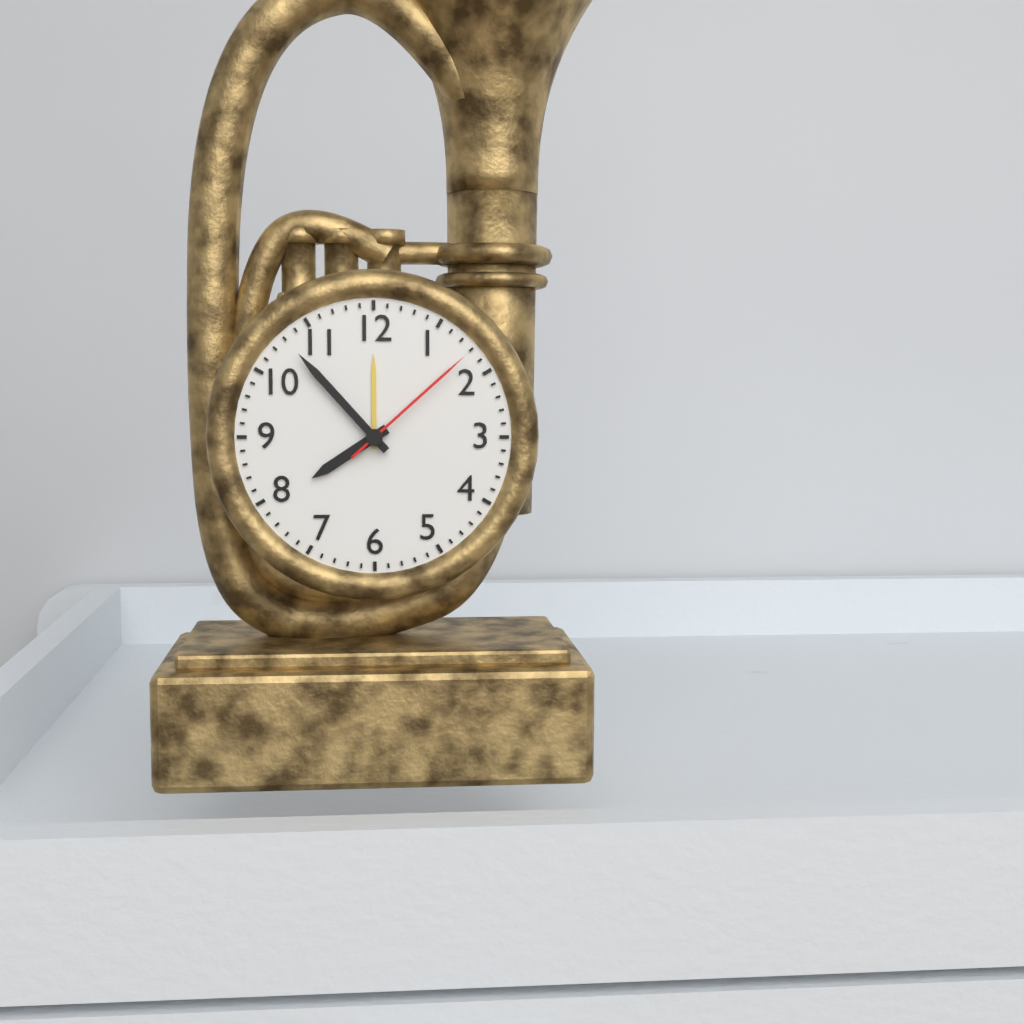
7:53:08
